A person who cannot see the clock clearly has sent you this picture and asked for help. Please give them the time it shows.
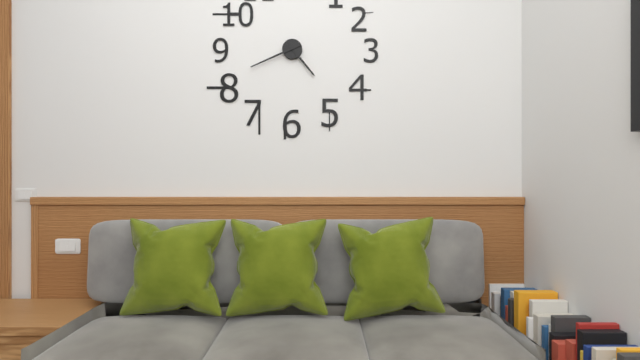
4:41
